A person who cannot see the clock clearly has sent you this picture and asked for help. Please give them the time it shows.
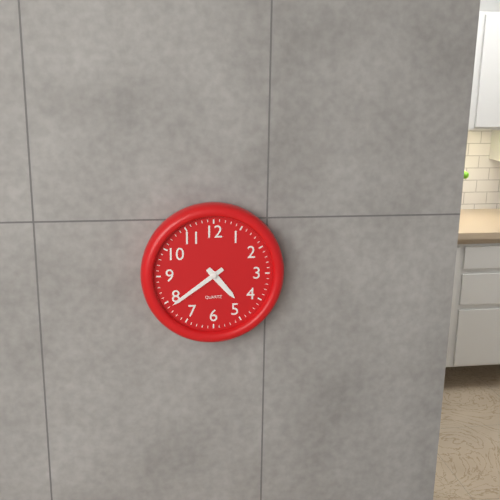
4:39
